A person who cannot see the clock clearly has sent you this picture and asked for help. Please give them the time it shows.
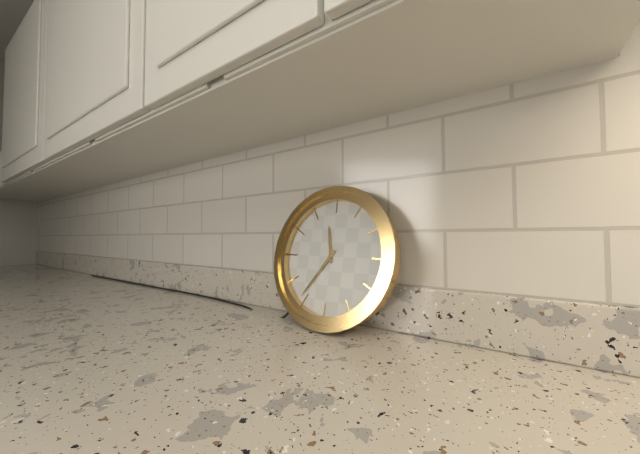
11:36
